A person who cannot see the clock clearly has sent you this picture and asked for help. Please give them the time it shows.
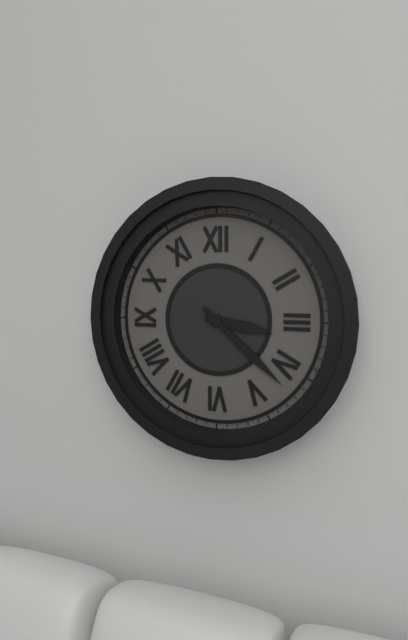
3:22
